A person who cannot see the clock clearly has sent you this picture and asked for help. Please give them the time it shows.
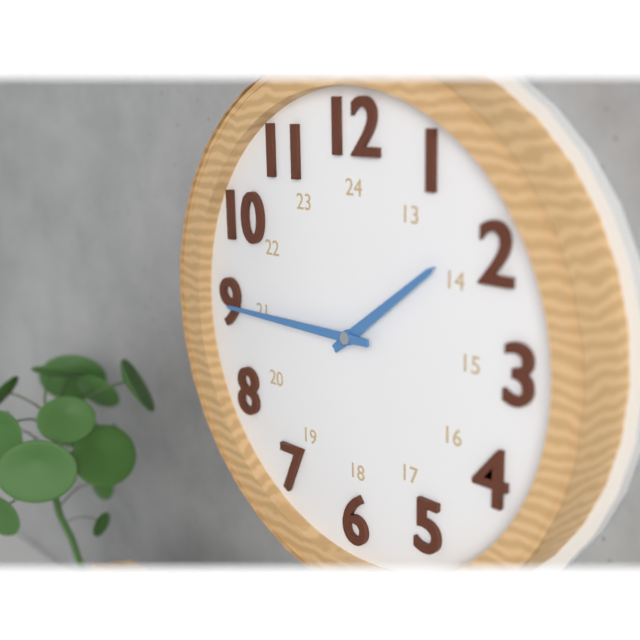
1:45
